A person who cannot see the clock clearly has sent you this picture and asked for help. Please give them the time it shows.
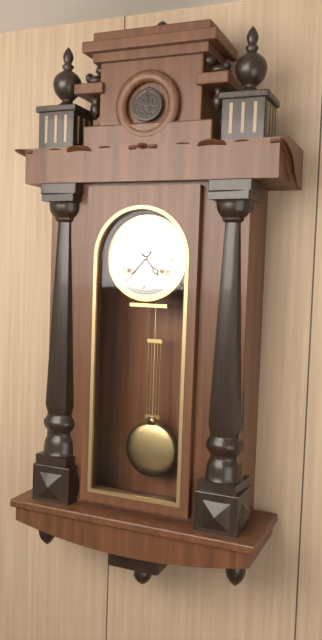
4:37
